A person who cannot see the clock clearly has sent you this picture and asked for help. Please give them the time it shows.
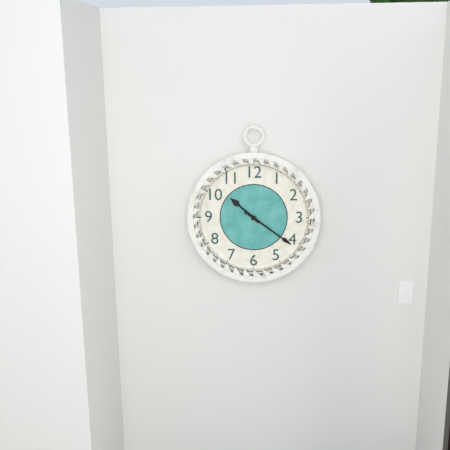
10:21
